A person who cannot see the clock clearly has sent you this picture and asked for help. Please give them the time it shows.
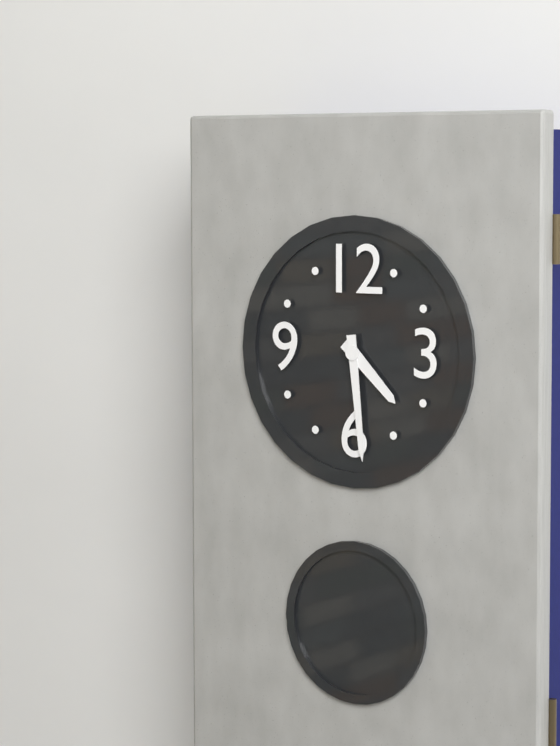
4:29
